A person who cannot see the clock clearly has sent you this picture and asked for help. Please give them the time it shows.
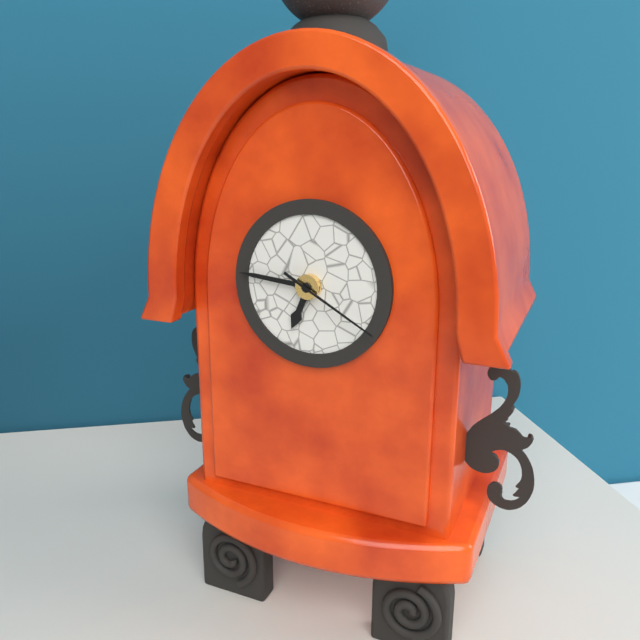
6:46:20
